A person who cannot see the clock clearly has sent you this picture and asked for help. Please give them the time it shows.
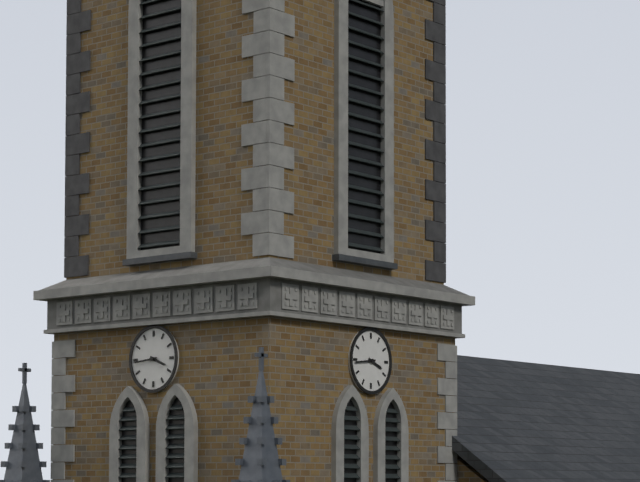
3:44
